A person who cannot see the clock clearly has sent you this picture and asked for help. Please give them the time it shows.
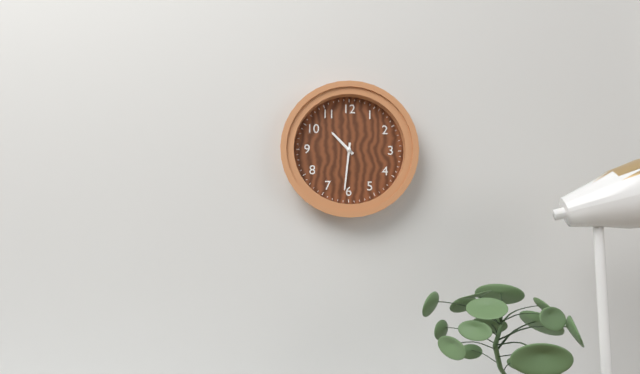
10:31
